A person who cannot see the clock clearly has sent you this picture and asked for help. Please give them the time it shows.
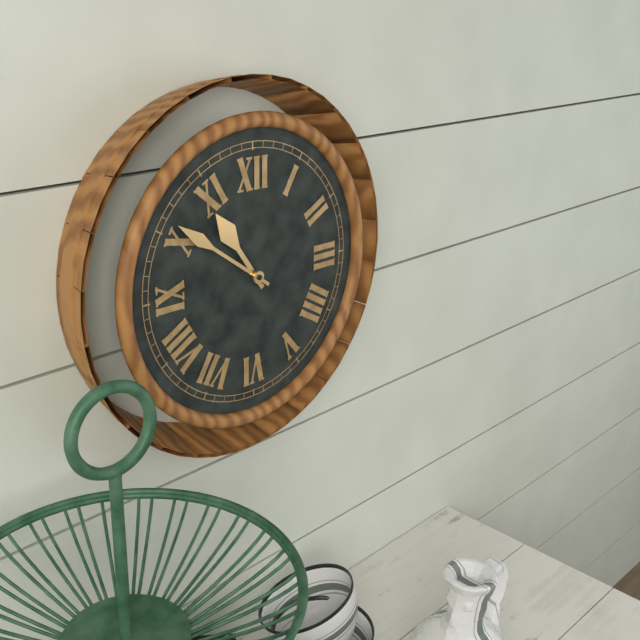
10:51
